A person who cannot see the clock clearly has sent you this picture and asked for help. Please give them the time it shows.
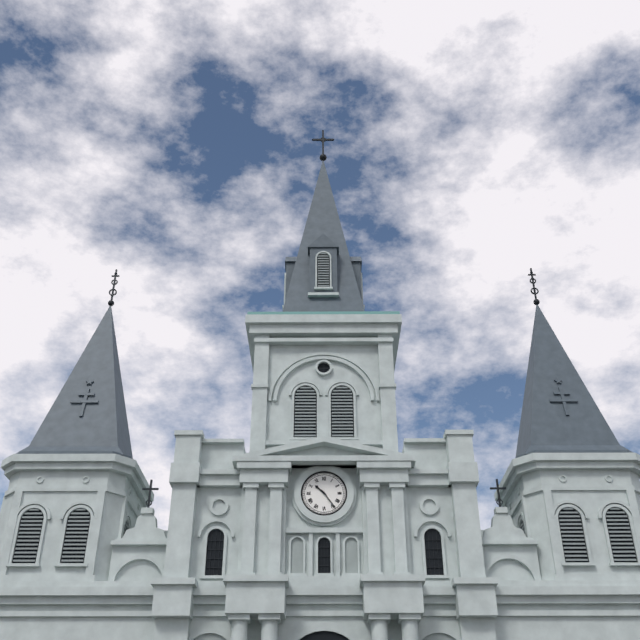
10:24
